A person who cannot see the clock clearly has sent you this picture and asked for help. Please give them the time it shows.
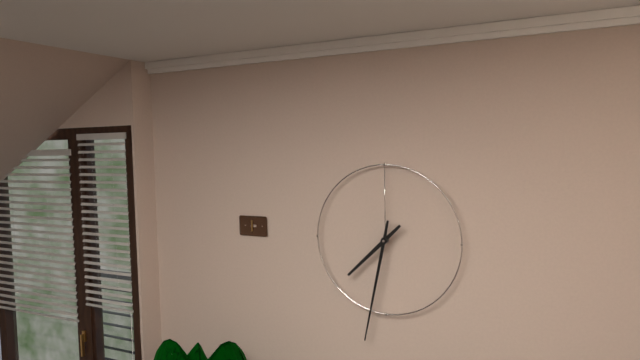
7:32
